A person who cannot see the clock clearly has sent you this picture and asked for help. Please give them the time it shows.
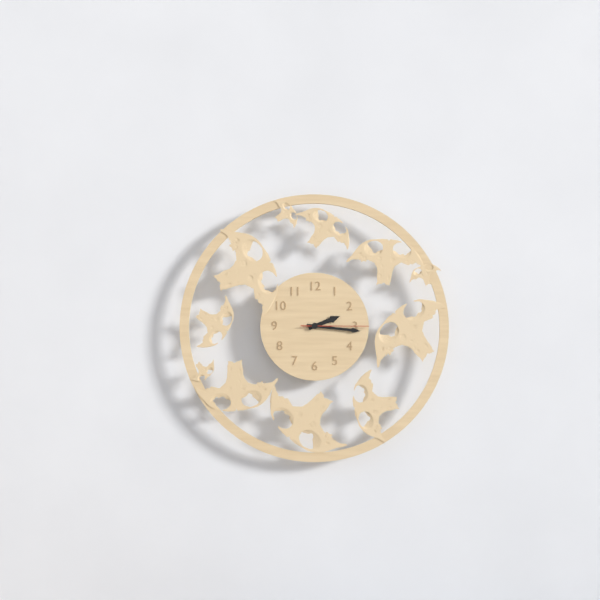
2:16:15
